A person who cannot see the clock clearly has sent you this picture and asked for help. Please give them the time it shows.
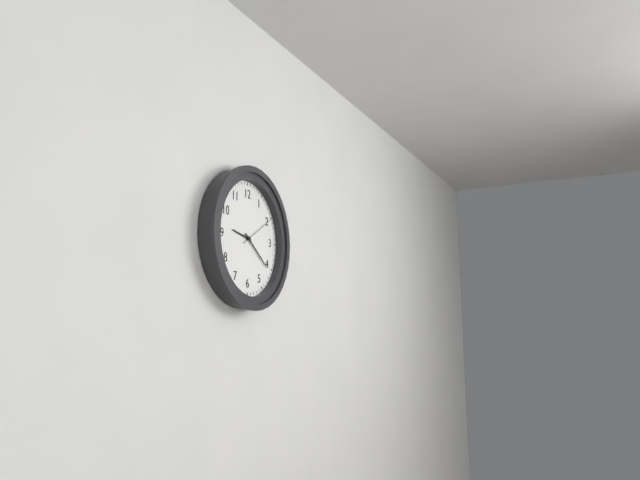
9:21
